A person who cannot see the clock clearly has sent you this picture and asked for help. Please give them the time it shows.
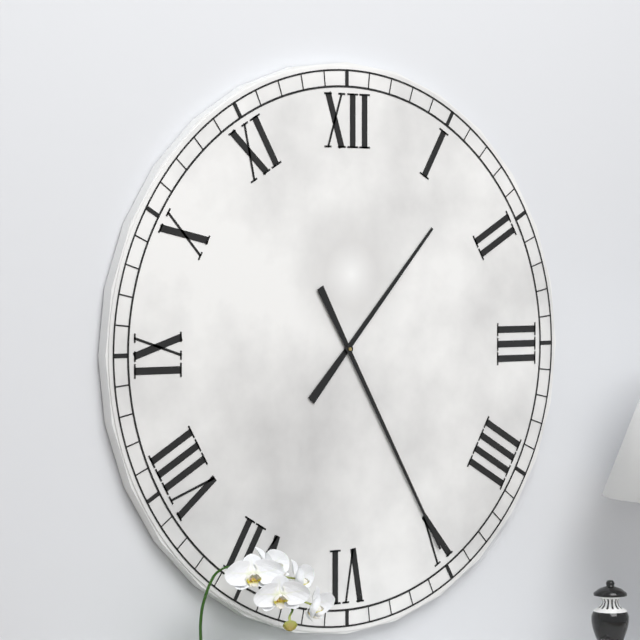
1:25
